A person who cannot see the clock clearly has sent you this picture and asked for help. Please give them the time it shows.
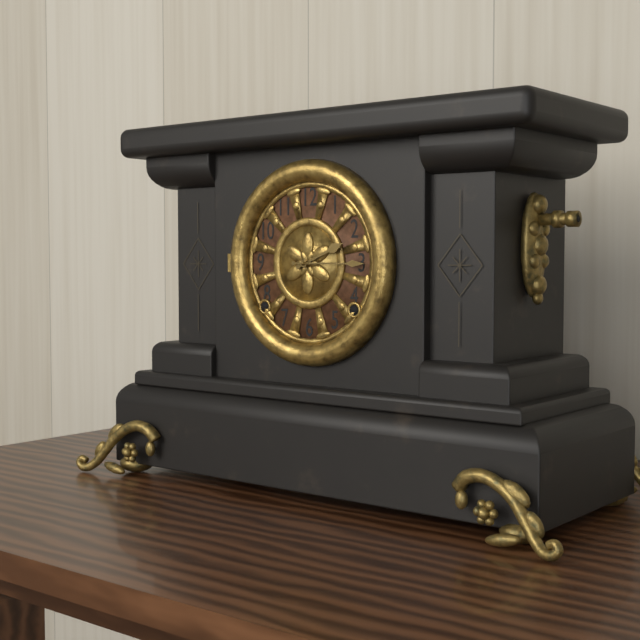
2:15
